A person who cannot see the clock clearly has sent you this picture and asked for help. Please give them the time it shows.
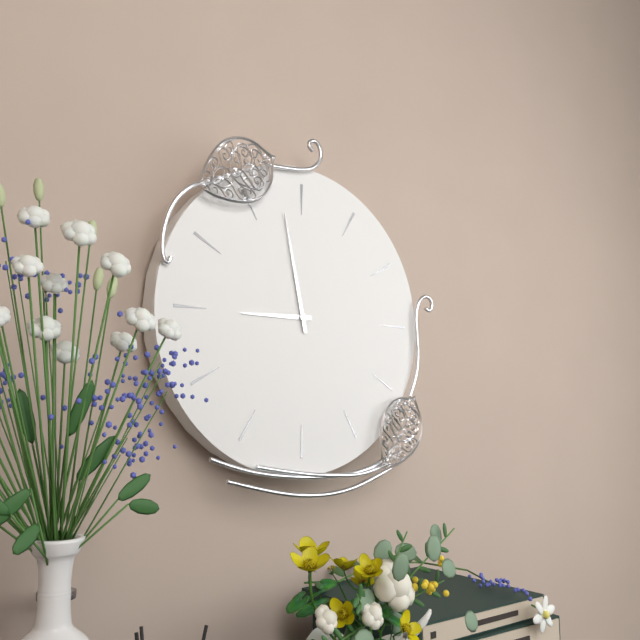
8:58
